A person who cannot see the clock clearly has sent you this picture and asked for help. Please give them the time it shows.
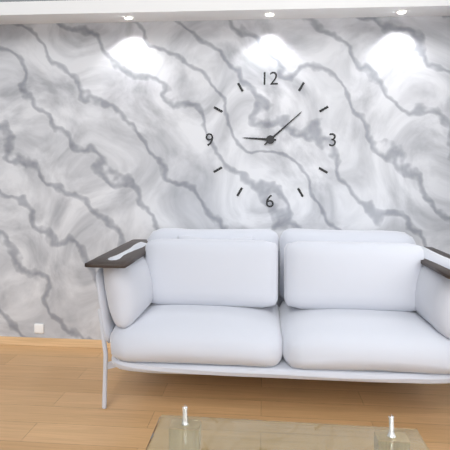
9:08
